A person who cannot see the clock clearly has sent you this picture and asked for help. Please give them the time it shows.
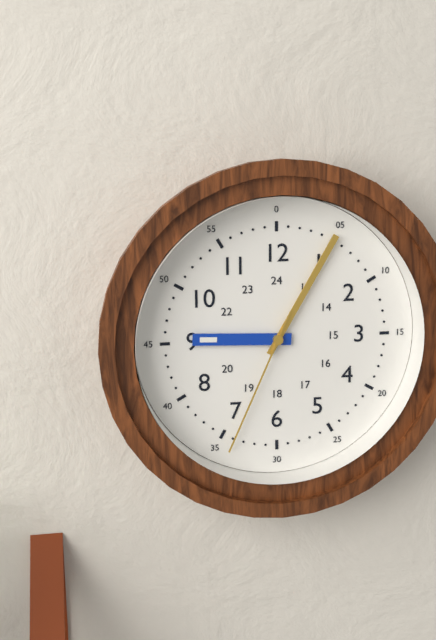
9:05:34
